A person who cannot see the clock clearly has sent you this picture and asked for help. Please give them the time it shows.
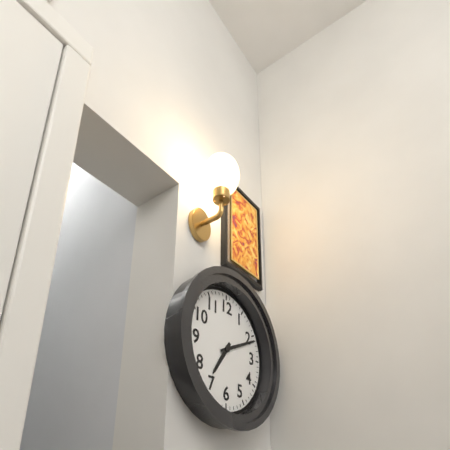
7:11
